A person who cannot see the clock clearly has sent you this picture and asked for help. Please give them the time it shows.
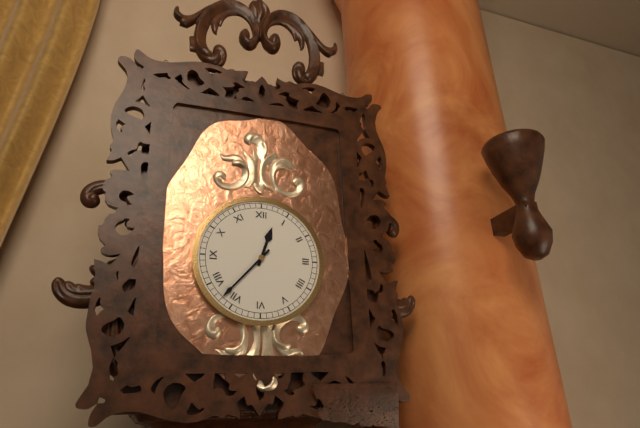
12:37
